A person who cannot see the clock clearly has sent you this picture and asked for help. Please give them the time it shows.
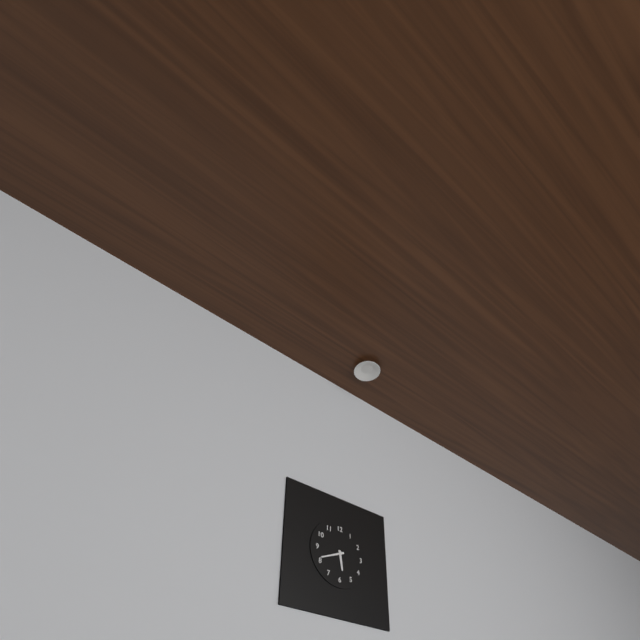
5:41
